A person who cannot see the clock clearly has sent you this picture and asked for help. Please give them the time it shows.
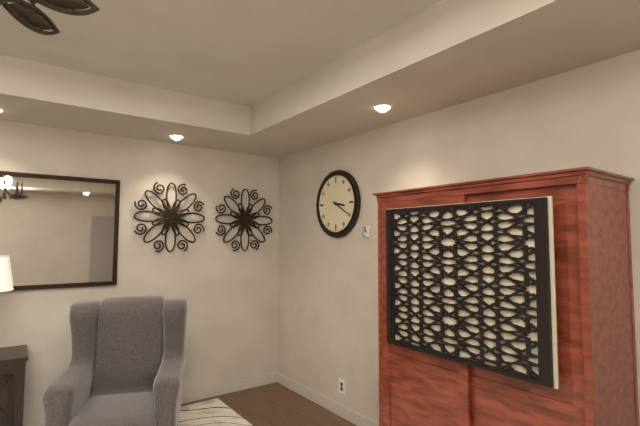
3:20
